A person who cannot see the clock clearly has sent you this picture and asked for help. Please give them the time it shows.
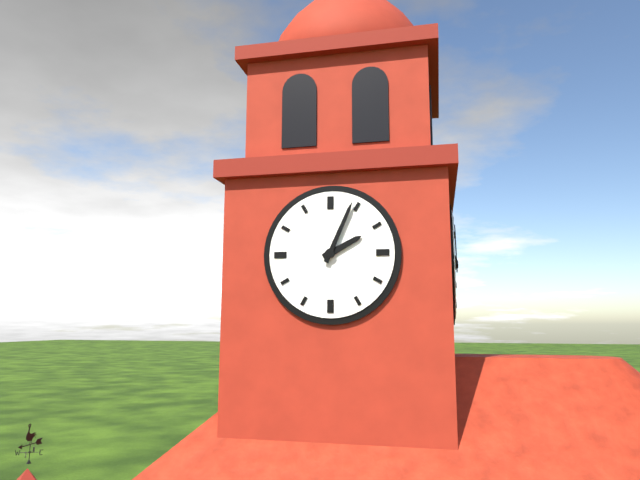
2:04
